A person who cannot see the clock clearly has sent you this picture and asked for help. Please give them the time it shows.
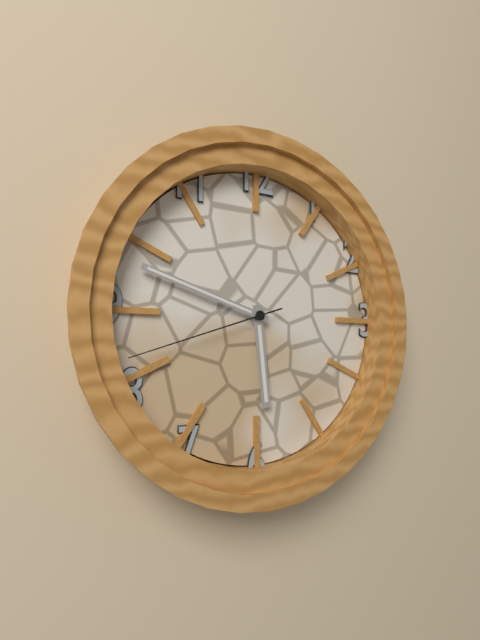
5:48:42
